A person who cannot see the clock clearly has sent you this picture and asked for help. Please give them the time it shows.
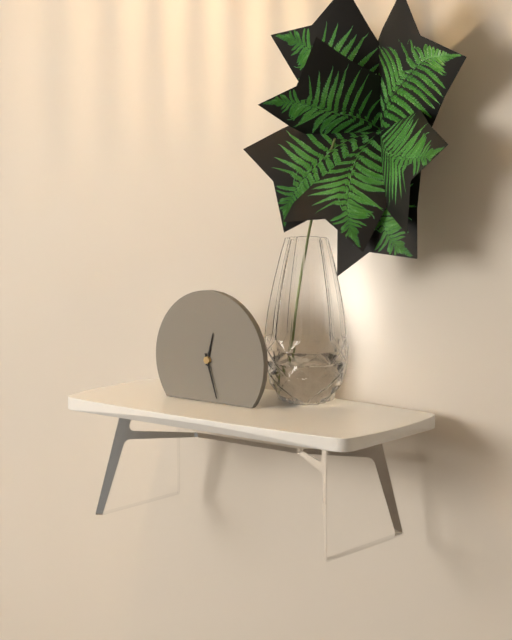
12:27
